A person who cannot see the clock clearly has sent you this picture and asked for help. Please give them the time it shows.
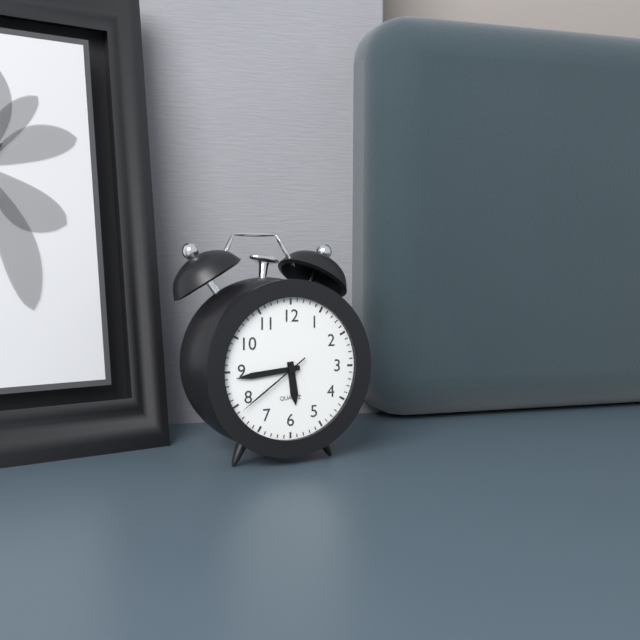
5:44:39
